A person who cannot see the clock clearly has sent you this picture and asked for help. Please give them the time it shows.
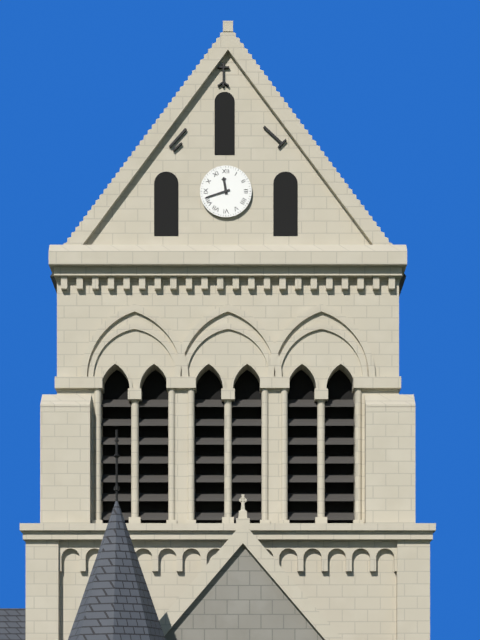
11:42
